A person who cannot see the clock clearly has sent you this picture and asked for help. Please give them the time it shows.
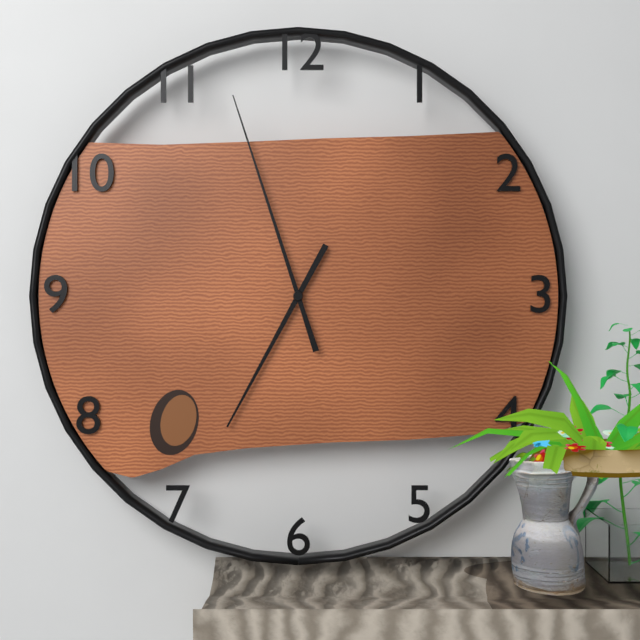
6:57
